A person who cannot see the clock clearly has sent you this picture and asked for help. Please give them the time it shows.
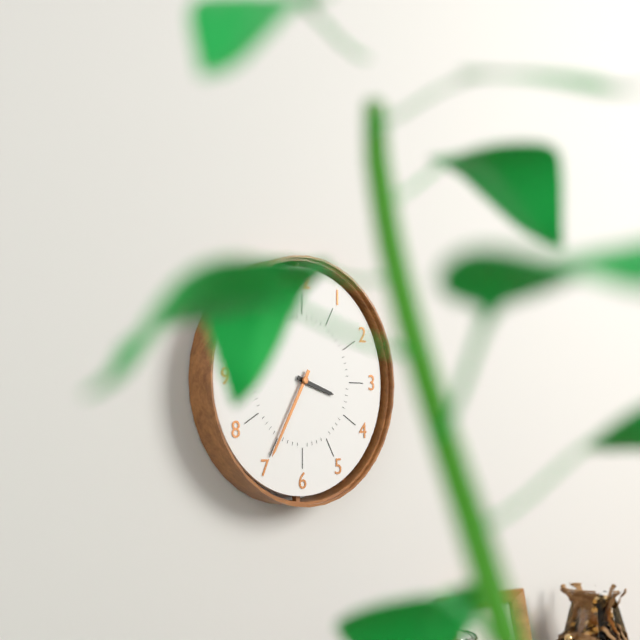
3:35
